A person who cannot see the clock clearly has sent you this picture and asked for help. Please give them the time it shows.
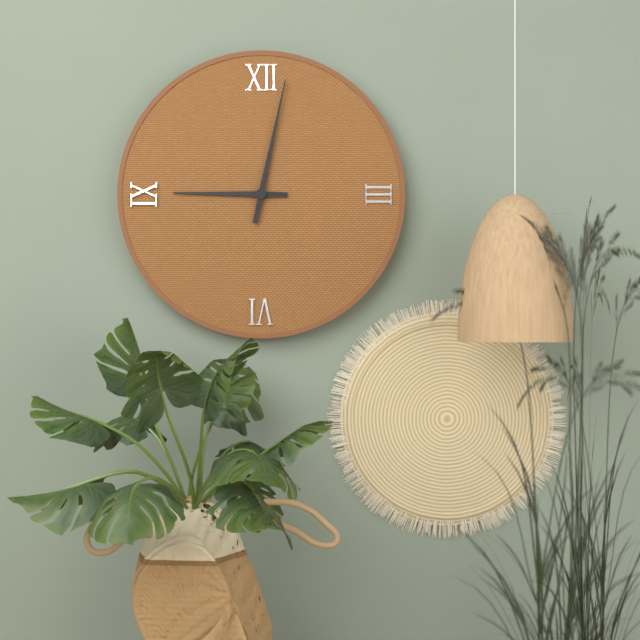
9:02
